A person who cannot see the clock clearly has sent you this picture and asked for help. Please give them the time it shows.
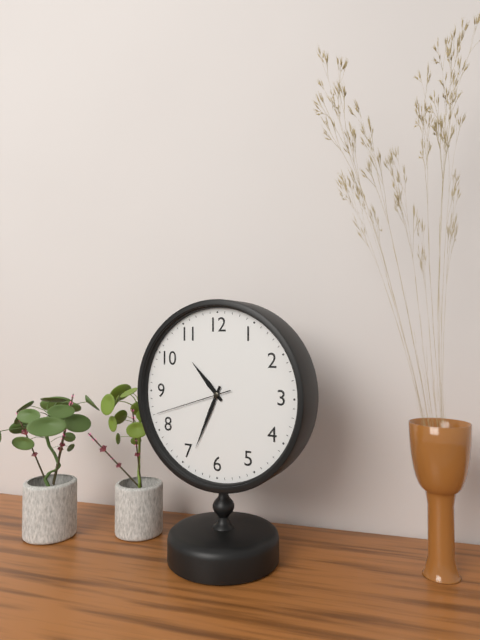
10:34:42
